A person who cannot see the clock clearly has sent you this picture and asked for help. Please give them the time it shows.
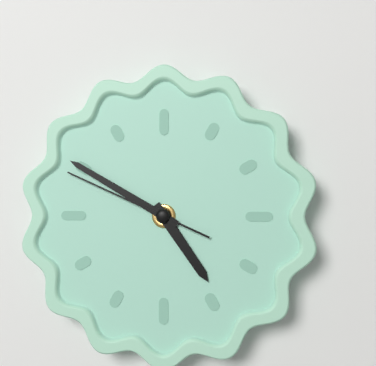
4:50:49
